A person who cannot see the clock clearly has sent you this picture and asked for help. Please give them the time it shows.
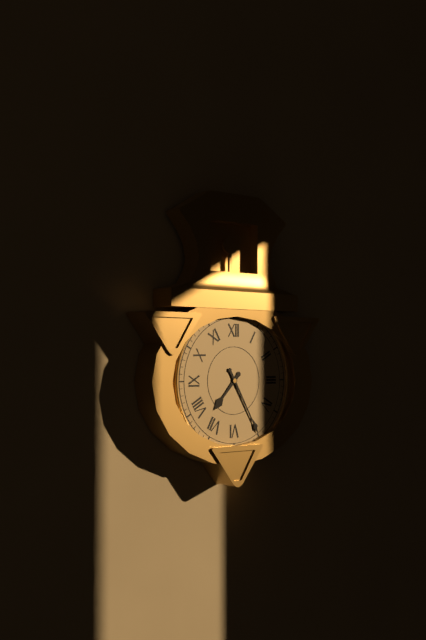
7:25
